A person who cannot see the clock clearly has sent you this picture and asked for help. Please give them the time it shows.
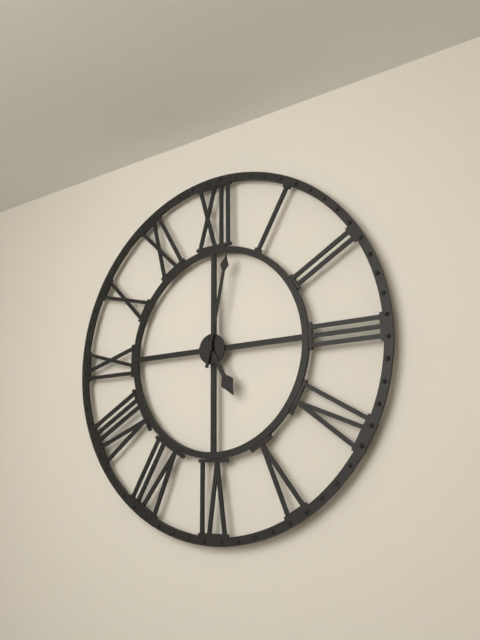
5:02
